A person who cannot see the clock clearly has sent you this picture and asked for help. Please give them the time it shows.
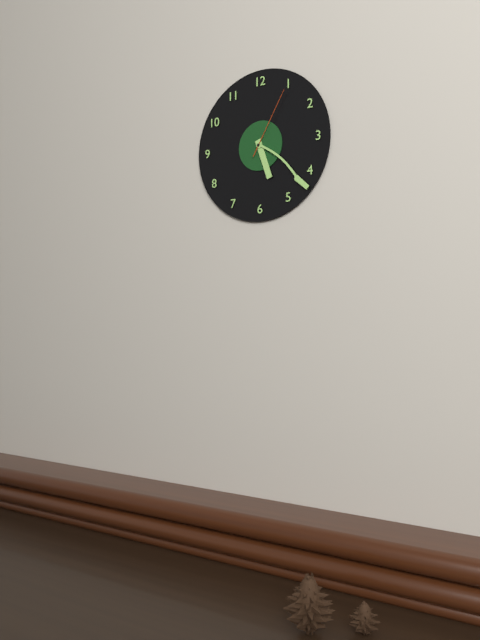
5:22:05
